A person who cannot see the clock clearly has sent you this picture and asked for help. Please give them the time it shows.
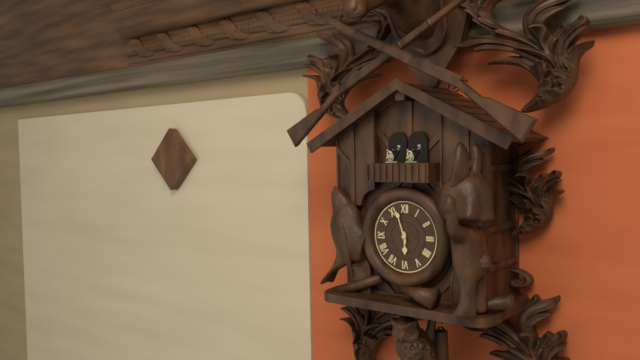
5:57
